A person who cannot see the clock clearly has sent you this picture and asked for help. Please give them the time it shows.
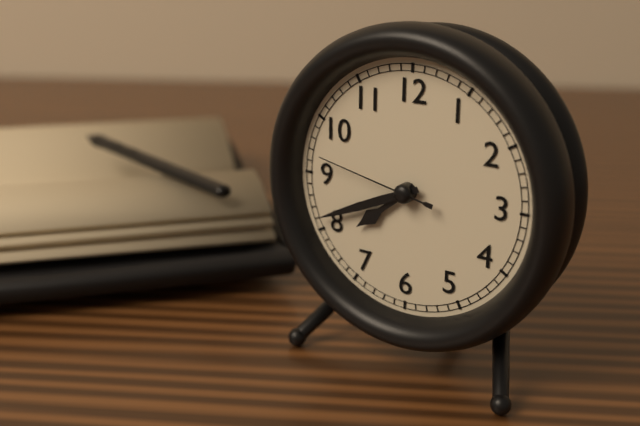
7:41:47
